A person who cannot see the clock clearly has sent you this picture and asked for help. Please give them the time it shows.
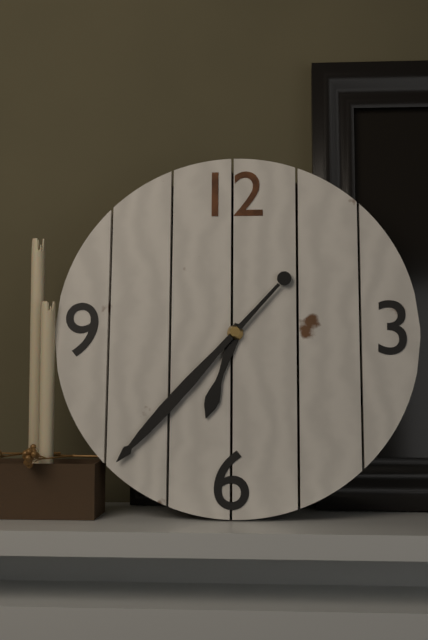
6:37
